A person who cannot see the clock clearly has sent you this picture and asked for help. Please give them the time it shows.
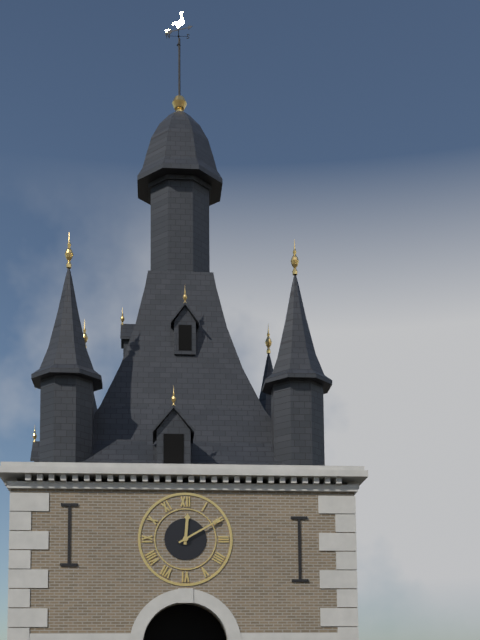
12:10
